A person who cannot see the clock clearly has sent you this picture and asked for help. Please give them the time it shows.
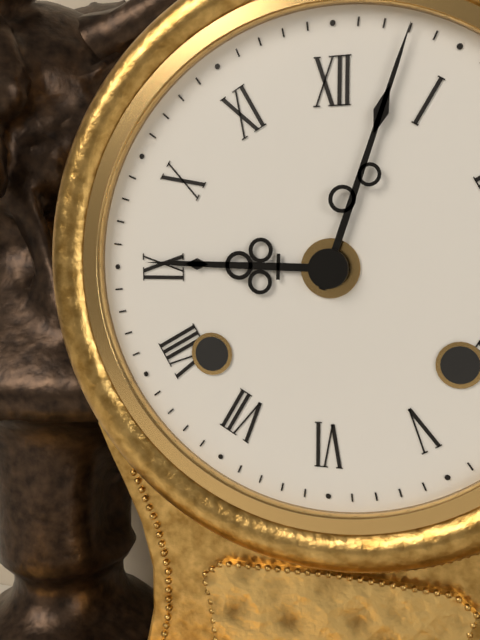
9:03
